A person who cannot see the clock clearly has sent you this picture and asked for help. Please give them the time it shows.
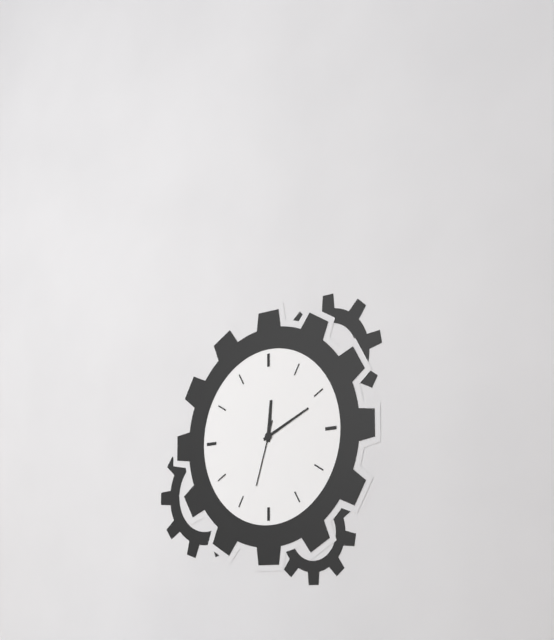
12:11:33
